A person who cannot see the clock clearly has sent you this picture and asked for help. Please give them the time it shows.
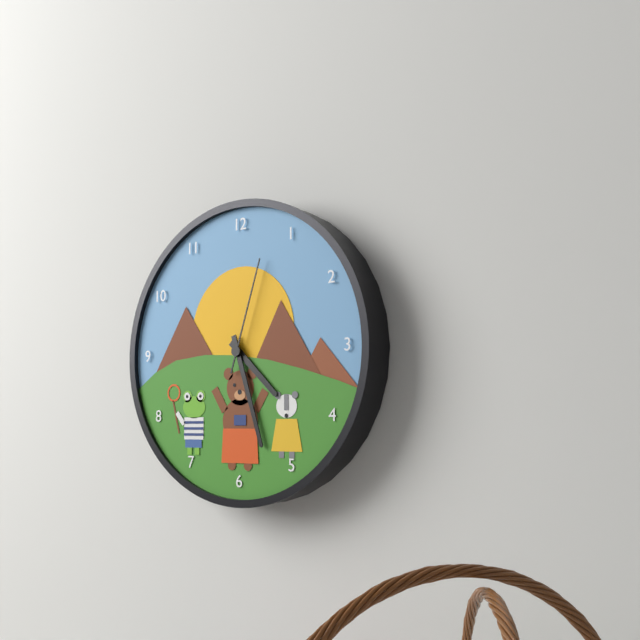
4:27:03
